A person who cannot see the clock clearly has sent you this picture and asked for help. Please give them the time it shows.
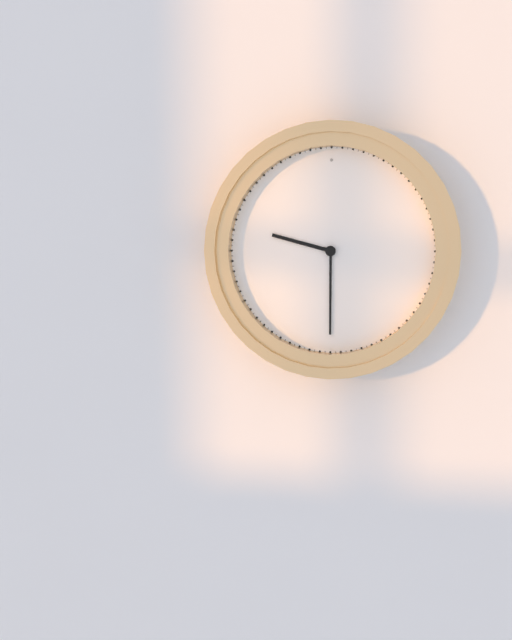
9:30
